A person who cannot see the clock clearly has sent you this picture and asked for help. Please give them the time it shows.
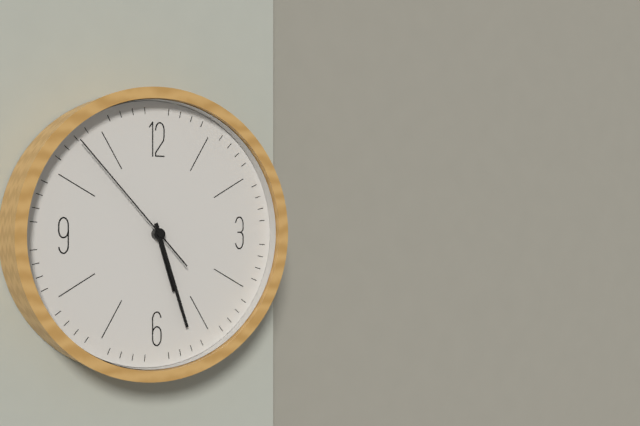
5:27:53
